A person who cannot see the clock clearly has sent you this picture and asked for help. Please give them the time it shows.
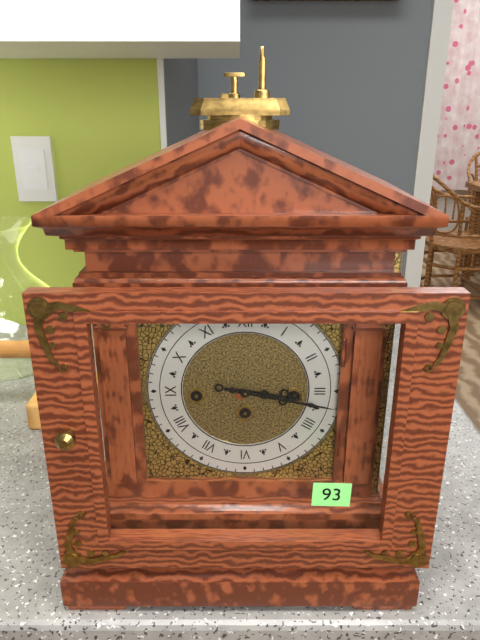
3:17
